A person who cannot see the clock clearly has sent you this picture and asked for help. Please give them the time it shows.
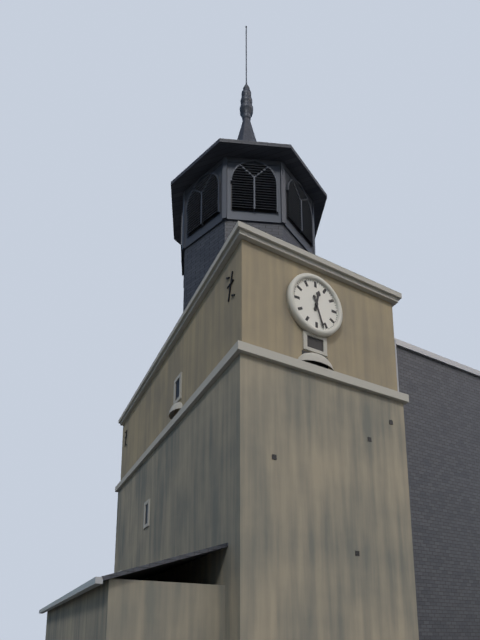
12:27
